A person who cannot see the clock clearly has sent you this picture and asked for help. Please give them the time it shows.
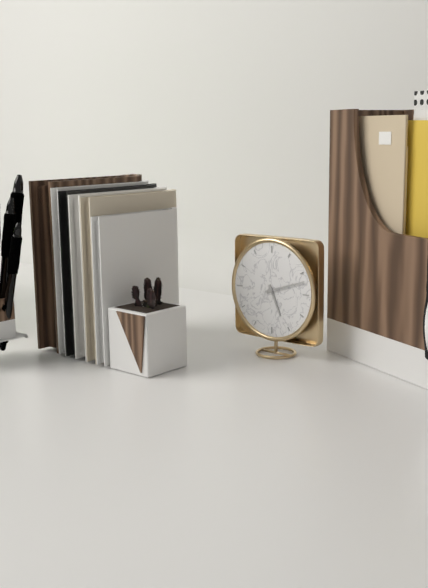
5:12
